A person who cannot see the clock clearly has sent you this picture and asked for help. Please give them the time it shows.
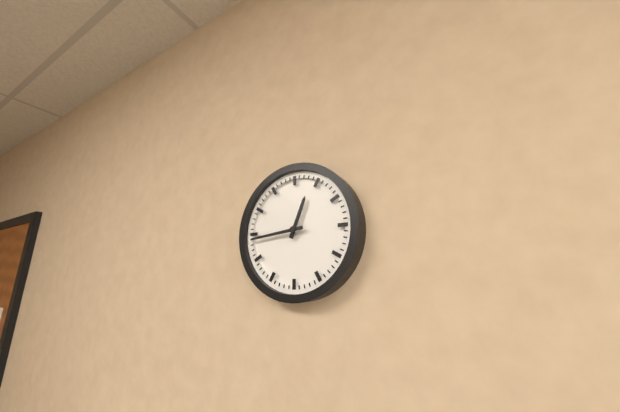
12:44
